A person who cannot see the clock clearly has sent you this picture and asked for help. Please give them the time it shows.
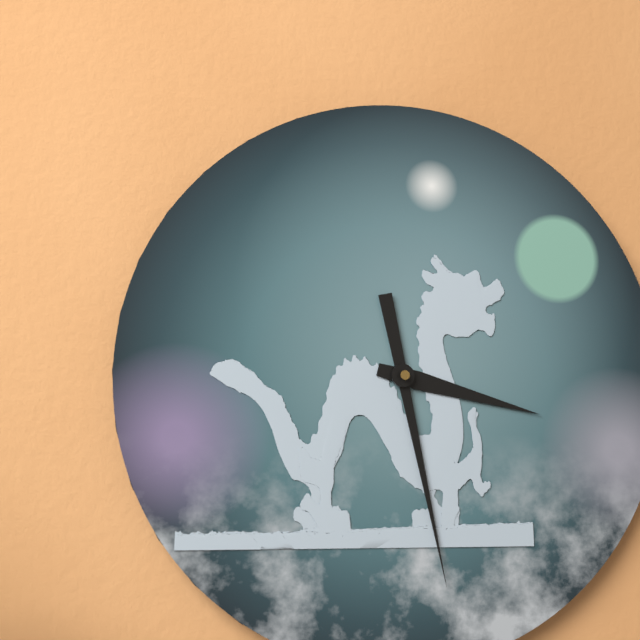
3:28
